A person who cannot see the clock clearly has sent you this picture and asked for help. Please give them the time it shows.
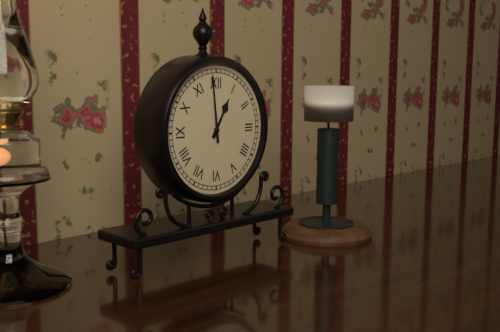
12:59
